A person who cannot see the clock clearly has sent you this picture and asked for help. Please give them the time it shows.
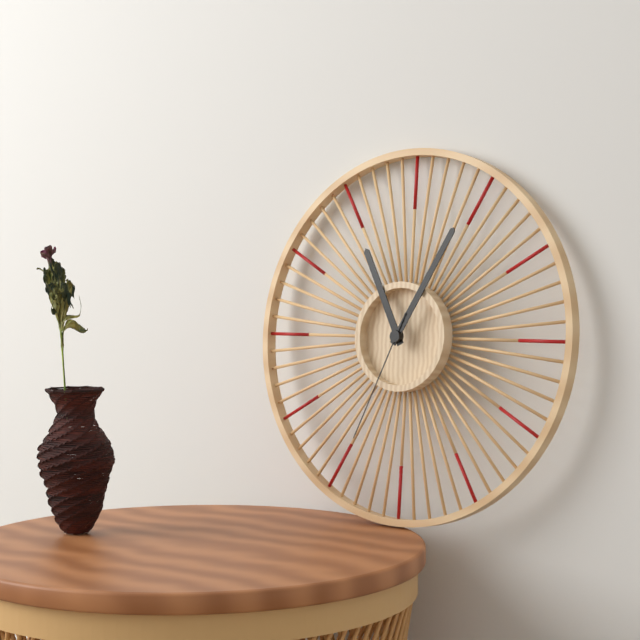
11:05:34
